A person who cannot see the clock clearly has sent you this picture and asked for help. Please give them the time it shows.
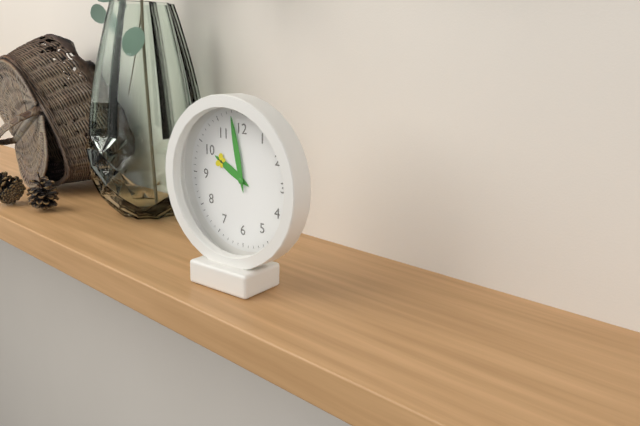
9:58
